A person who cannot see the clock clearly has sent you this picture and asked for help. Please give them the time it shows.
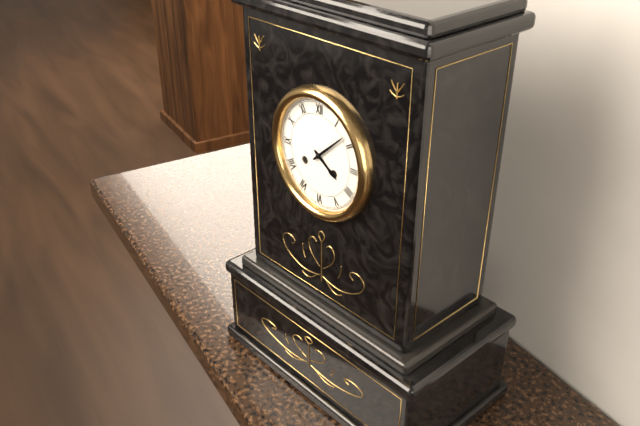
4:08
